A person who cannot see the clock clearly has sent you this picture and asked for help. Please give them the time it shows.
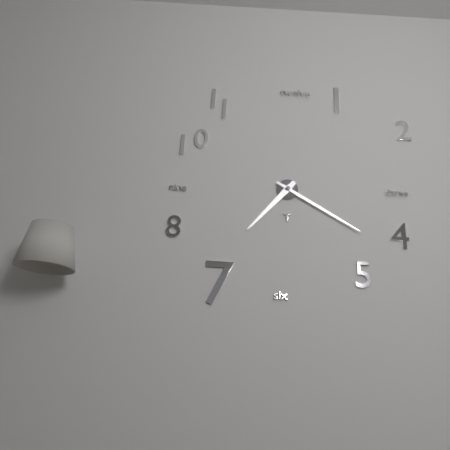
7:20
